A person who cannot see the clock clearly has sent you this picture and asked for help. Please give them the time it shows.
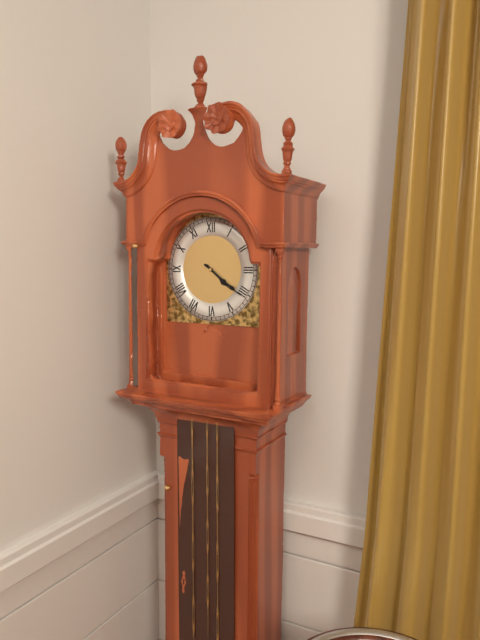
4:21
